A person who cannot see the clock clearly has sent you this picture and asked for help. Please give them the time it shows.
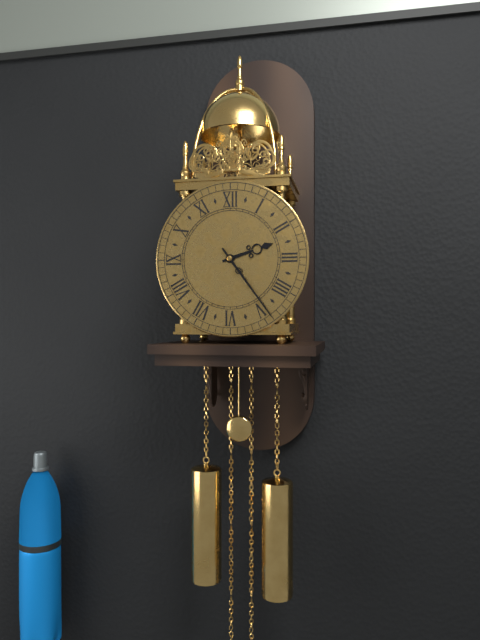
2:24
